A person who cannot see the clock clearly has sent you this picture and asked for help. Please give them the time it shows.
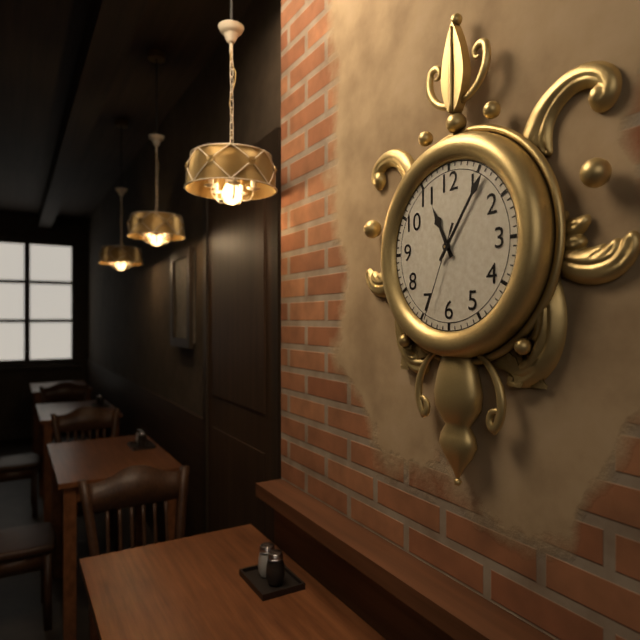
11:06:34
